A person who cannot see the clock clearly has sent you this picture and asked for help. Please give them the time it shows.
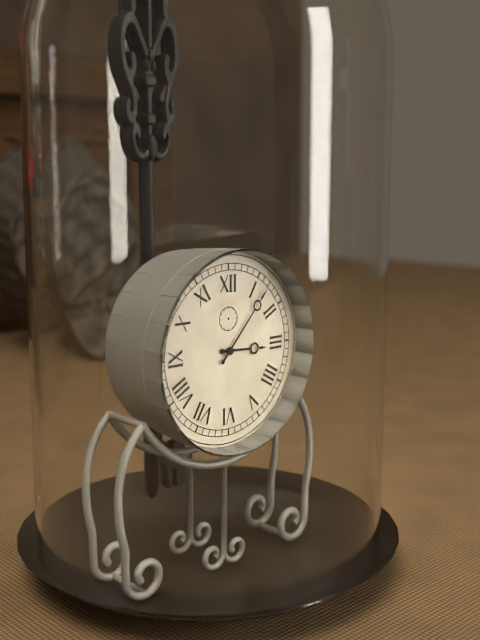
3:07
